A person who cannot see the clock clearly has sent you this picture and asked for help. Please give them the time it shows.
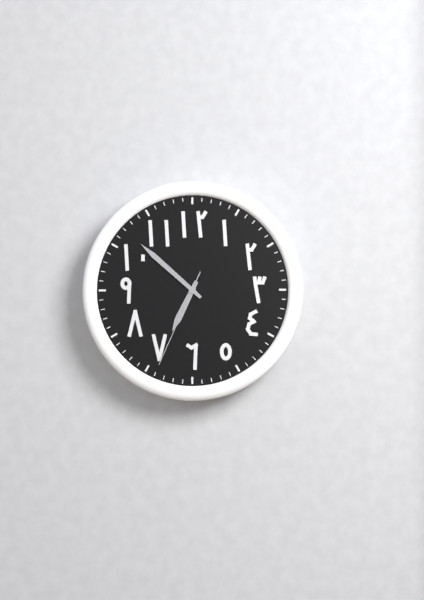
6:52:34
